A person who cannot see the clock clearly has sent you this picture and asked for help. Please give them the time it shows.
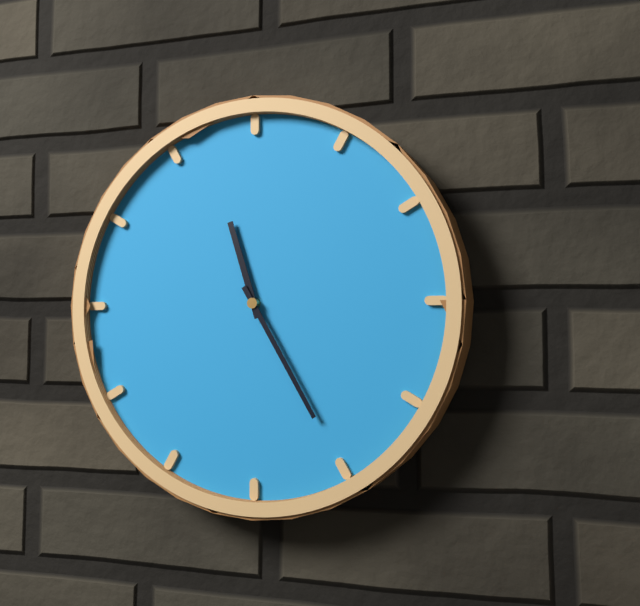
11:25
